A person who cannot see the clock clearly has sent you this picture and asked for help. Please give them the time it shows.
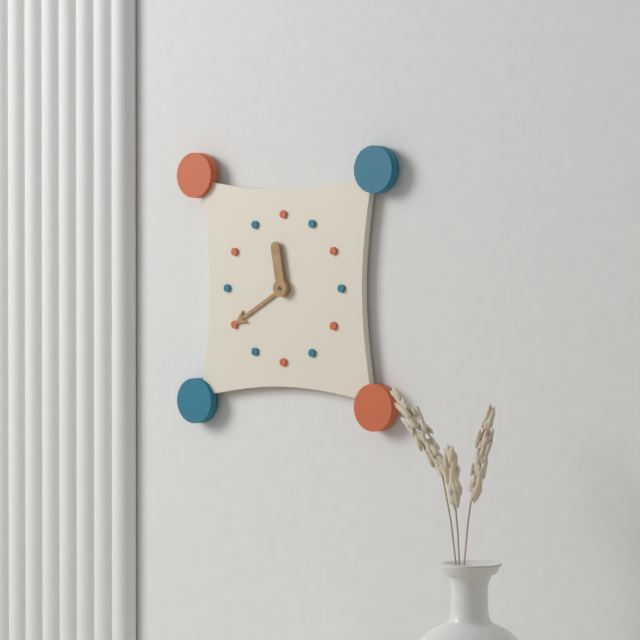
11:40
